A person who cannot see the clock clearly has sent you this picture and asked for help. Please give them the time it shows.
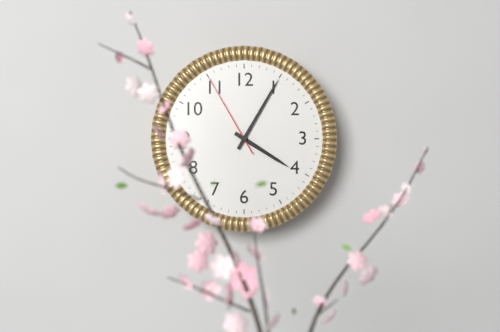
4:05:55
